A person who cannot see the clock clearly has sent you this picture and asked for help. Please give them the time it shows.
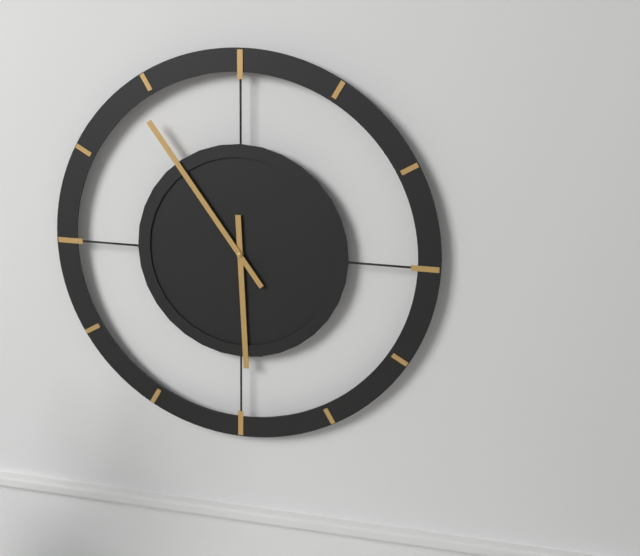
5:54
